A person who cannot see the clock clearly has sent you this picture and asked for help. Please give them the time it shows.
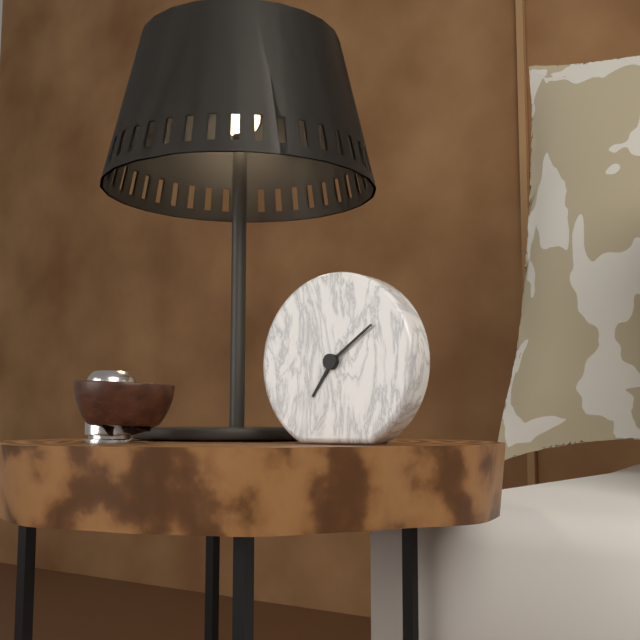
7:09
